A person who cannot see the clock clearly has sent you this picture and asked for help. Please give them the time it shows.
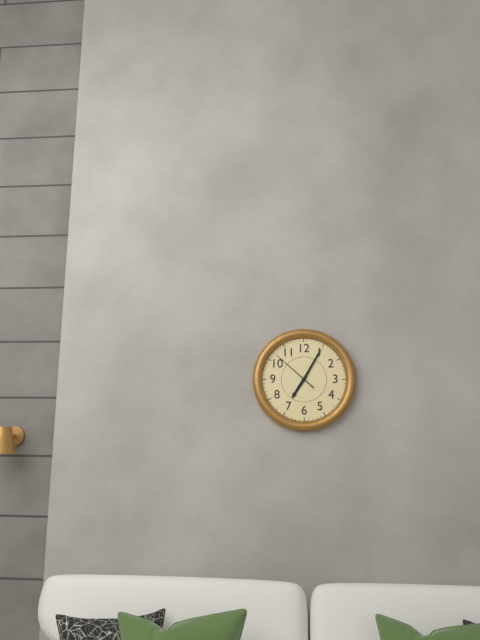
7:05
